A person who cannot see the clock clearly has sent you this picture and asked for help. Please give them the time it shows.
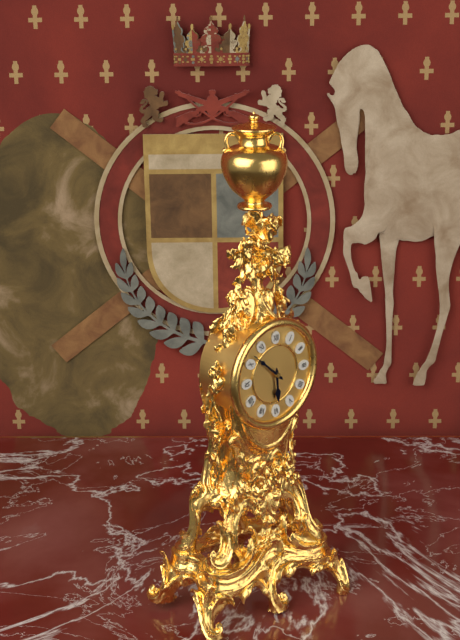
5:52
